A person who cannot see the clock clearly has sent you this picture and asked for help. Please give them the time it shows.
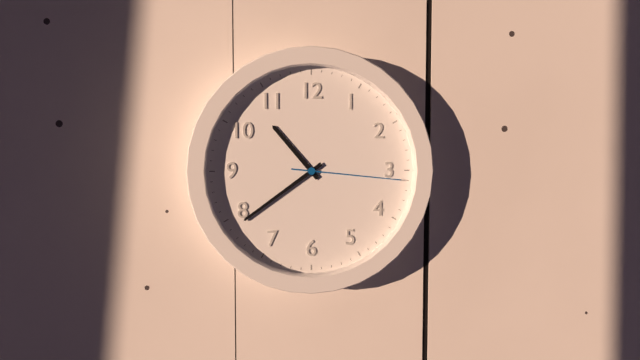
10:39:16
